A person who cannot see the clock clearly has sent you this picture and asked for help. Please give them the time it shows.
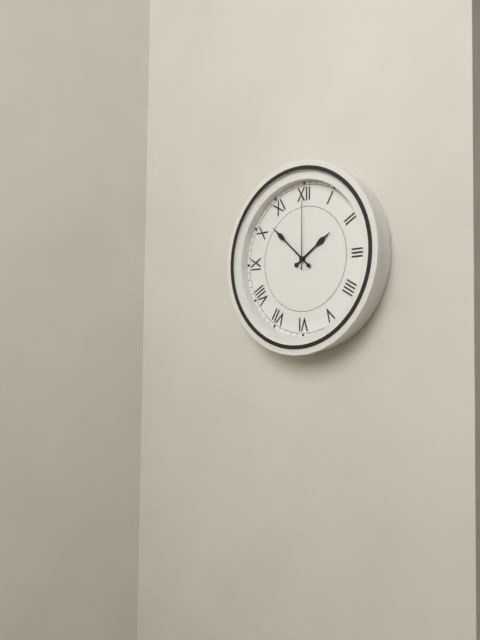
1:52:00
